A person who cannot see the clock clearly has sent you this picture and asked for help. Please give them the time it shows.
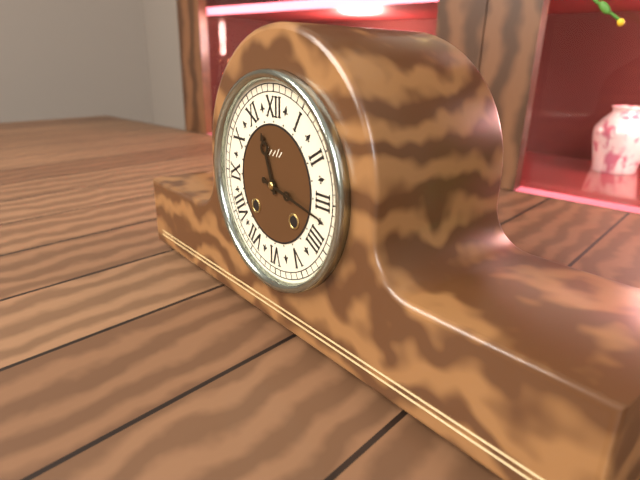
11:17
